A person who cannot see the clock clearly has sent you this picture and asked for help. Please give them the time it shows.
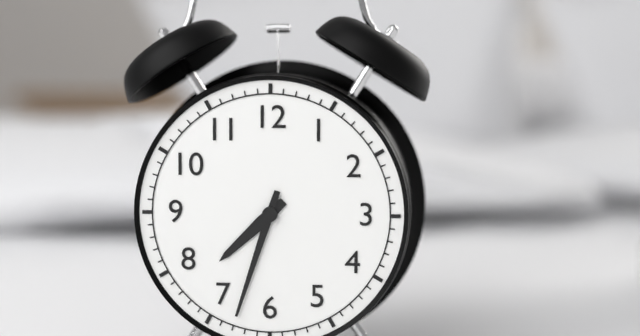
7:33
